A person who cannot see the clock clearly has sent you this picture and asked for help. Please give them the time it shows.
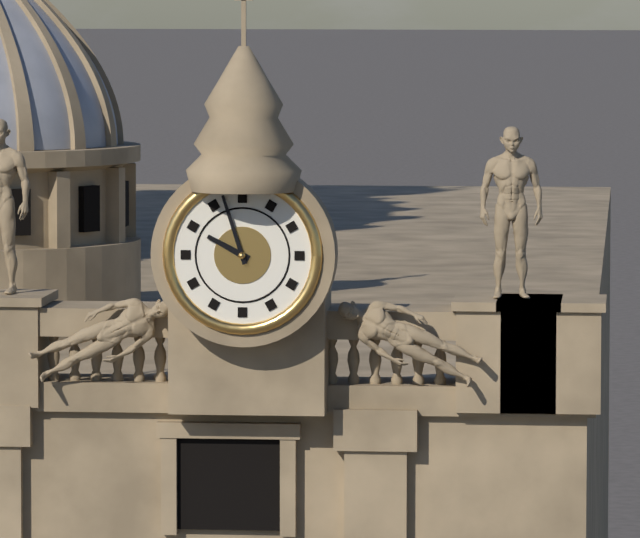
9:57
